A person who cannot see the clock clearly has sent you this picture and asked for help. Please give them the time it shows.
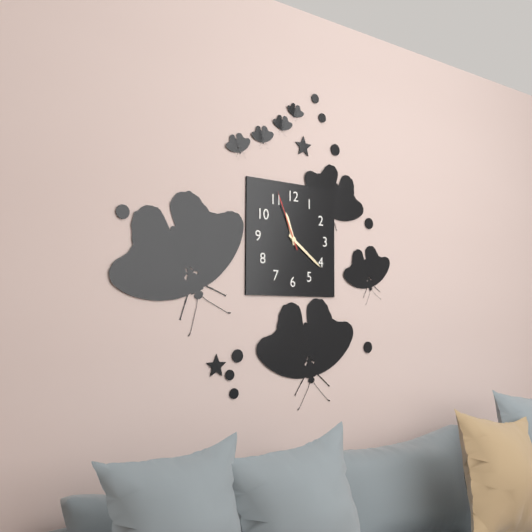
11:21:56
